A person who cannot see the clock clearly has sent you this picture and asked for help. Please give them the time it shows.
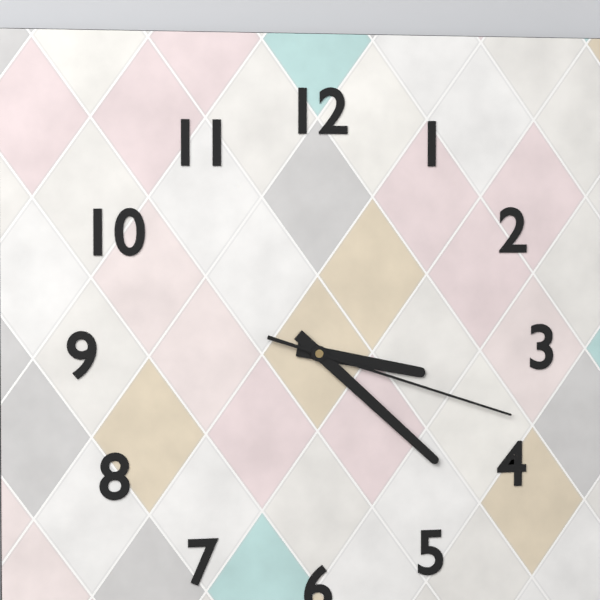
3:22:18
